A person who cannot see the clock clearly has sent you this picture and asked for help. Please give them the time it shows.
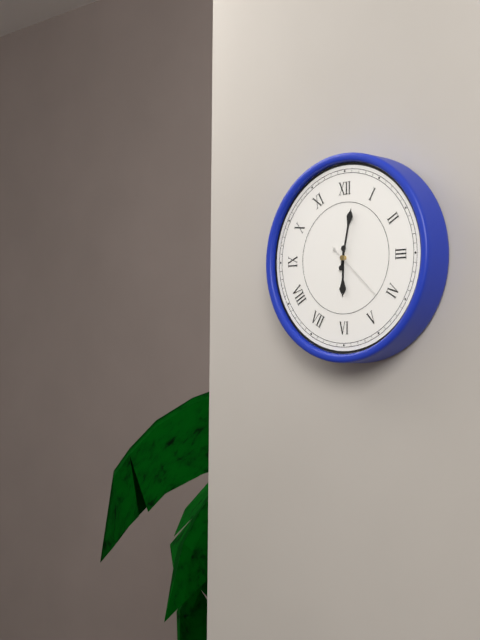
6:02:22
